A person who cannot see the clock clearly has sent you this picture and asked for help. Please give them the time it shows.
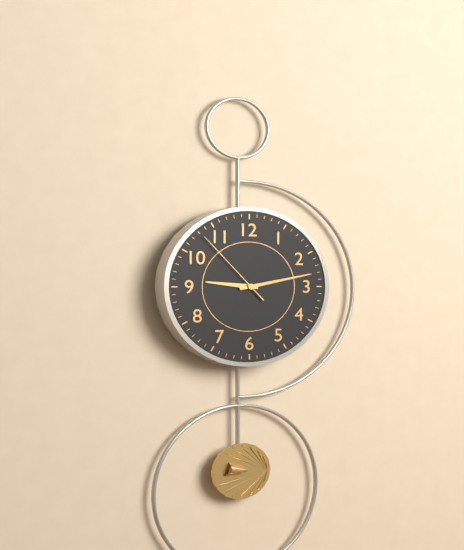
9:13:53
